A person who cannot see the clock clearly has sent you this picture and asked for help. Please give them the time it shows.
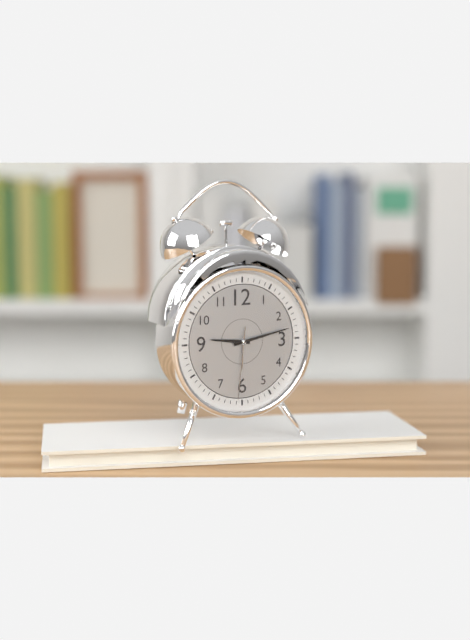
9:13:31
